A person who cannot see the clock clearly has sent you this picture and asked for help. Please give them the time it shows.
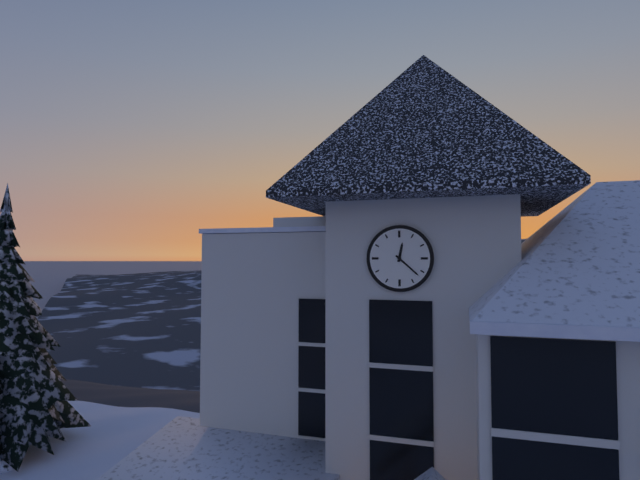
12:22
